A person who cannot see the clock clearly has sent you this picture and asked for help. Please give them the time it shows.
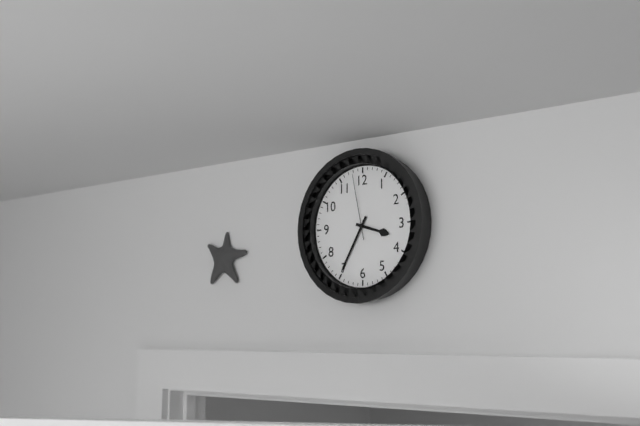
3:35:58
